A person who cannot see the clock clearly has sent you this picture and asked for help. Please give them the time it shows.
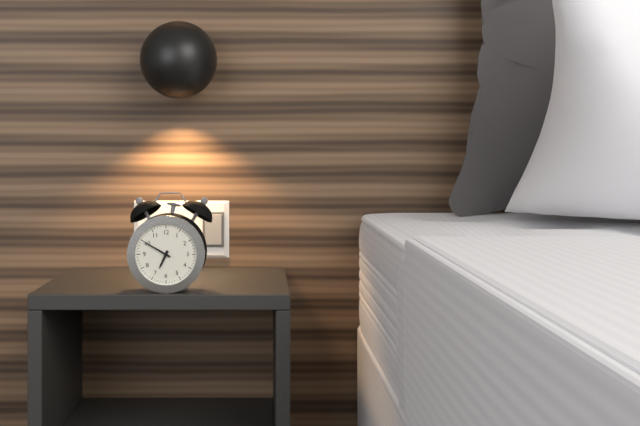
6:50
